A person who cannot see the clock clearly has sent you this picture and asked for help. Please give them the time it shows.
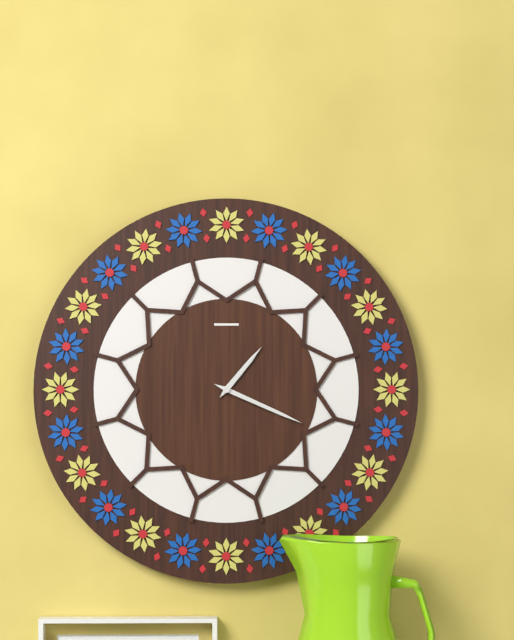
1:19
